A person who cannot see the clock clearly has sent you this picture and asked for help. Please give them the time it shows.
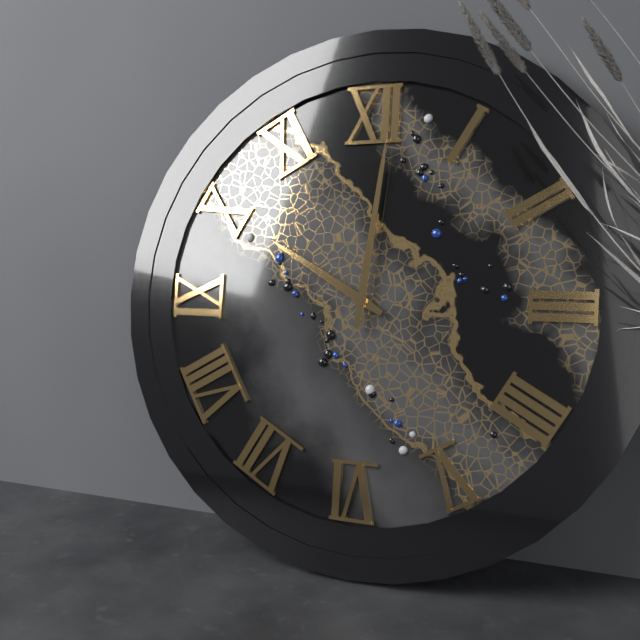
10:01
